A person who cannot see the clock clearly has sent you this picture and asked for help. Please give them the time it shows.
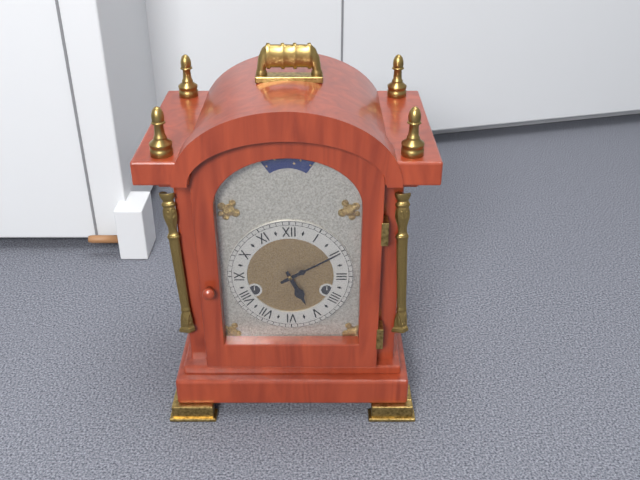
5:10
